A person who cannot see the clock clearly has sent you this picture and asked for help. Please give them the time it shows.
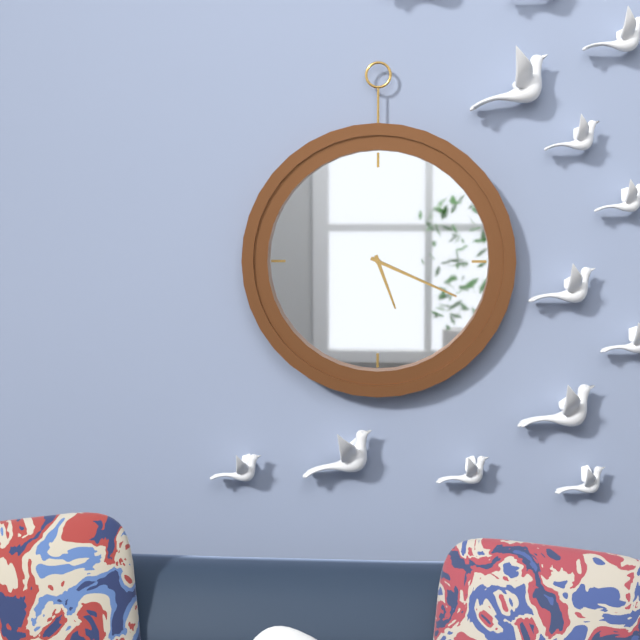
5:19
